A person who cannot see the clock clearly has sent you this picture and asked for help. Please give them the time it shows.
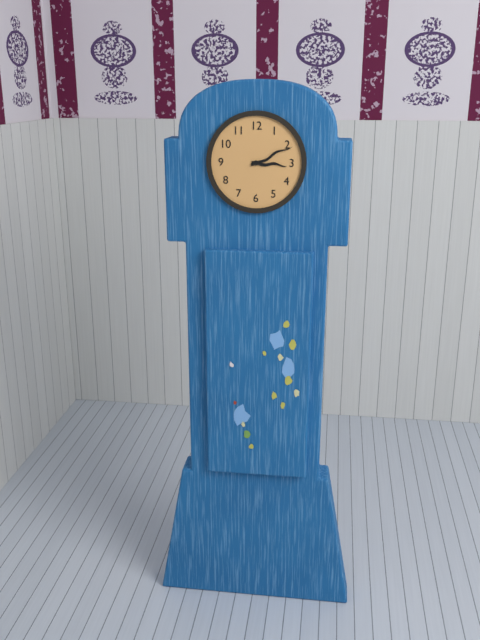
3:11
